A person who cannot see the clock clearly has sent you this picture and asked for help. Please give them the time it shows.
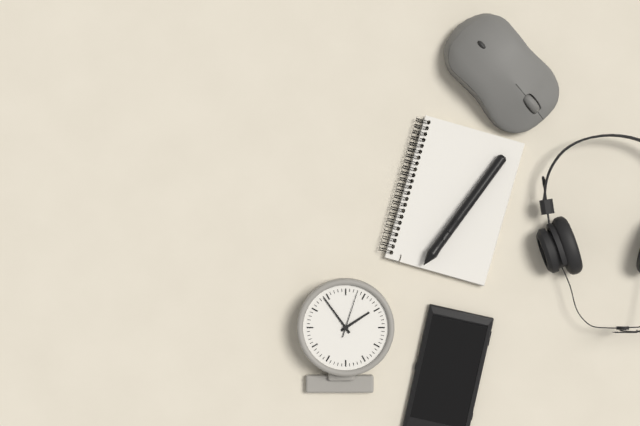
1:54
